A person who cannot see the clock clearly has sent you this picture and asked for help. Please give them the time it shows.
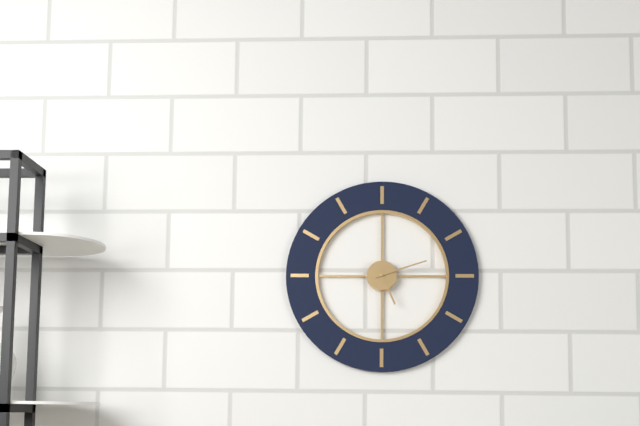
5:12
